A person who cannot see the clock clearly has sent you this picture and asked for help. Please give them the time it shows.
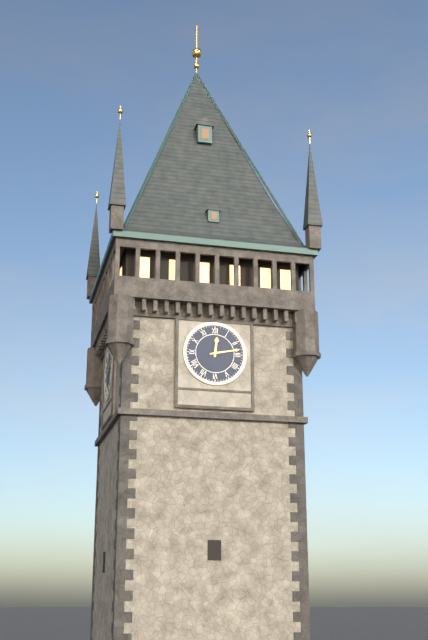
12:13
